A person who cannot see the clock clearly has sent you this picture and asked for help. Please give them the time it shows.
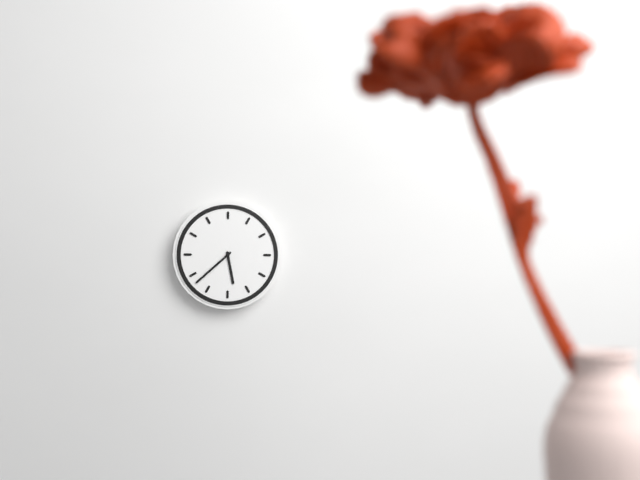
5:38
